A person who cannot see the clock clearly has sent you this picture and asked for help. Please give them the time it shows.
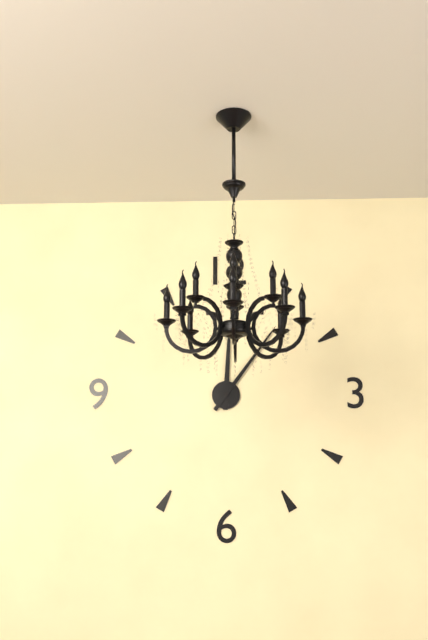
12:06
